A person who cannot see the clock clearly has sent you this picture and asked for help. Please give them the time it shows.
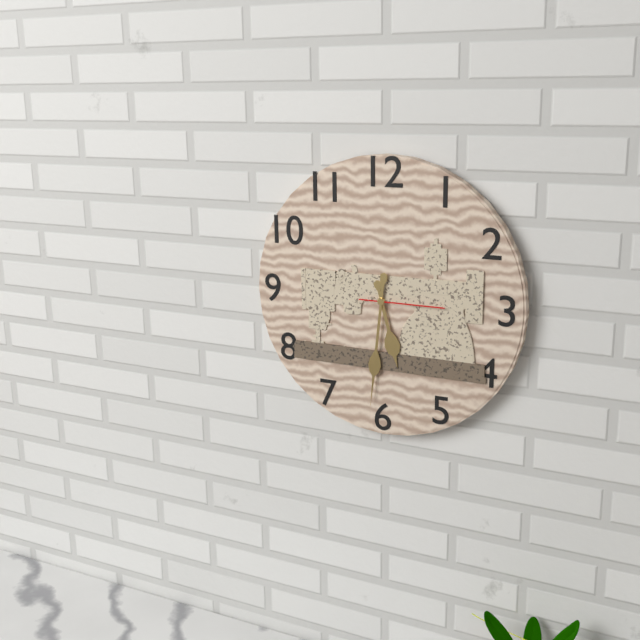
5:31:15
